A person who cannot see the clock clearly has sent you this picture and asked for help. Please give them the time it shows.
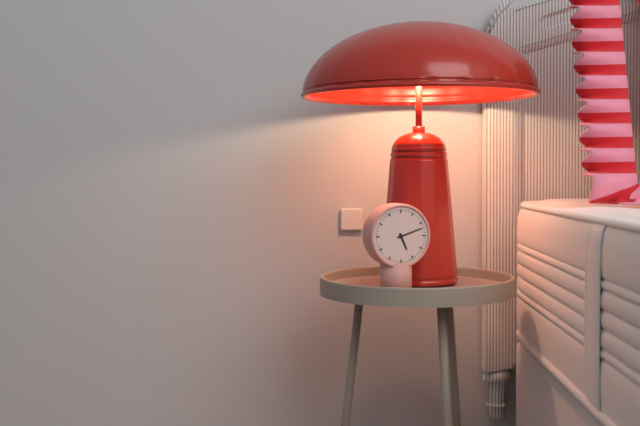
5:12
